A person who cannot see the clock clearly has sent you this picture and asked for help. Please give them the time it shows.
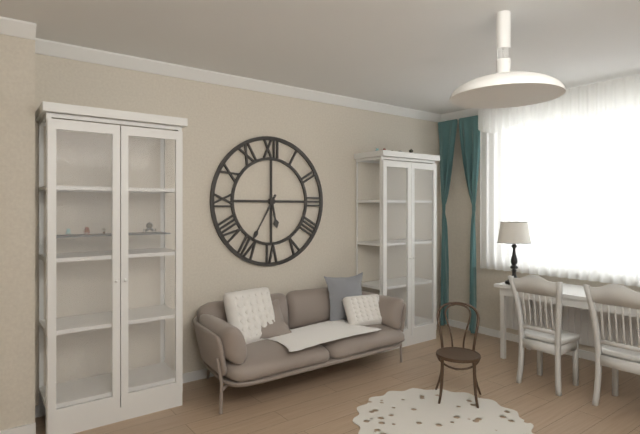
5:35
